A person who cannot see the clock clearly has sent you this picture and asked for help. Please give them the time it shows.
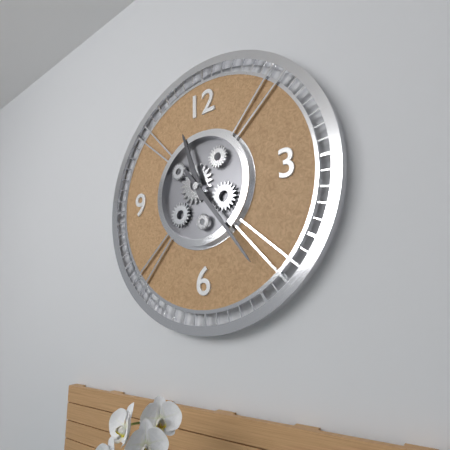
11:24
